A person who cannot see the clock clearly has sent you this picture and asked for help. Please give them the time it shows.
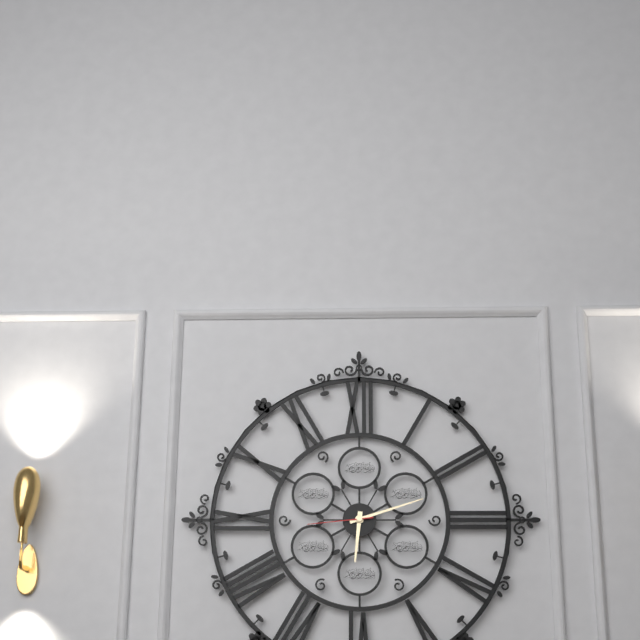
6:12:44
